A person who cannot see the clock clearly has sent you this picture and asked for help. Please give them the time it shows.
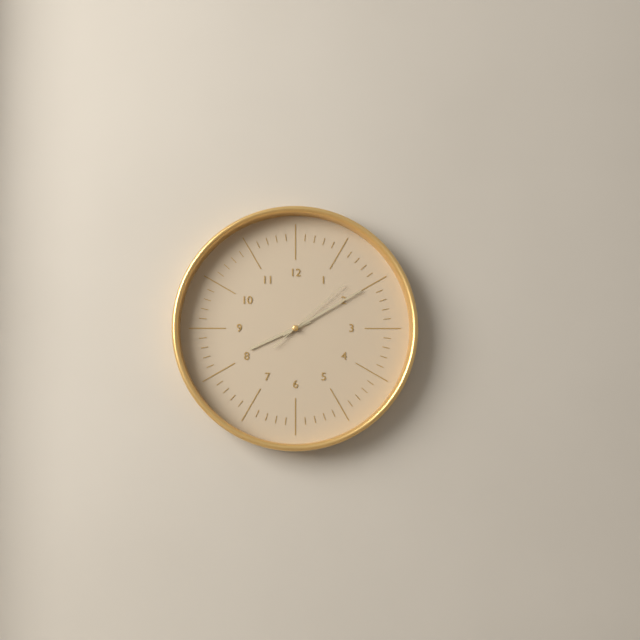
8:10:08
